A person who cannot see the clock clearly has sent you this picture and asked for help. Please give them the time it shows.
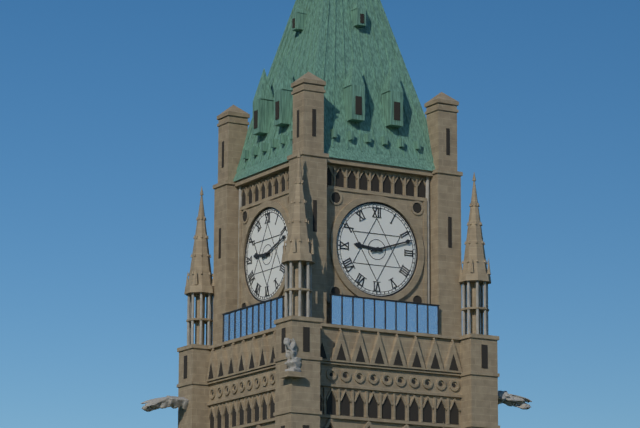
9:12
